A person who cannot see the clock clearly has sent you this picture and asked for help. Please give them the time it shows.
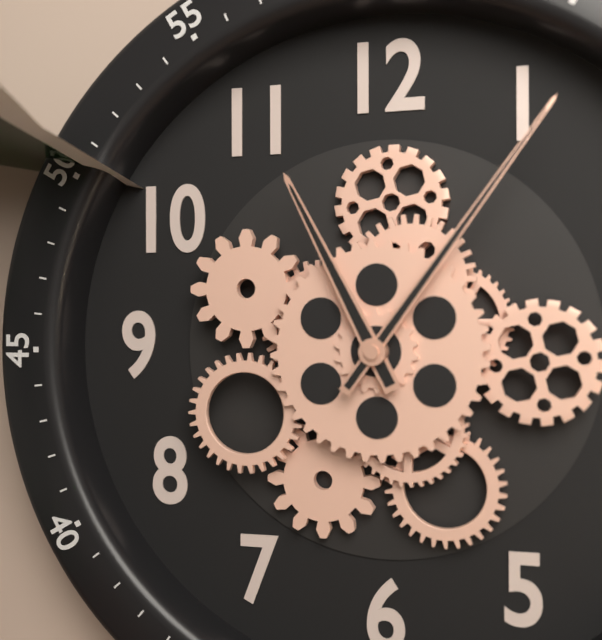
11:06
